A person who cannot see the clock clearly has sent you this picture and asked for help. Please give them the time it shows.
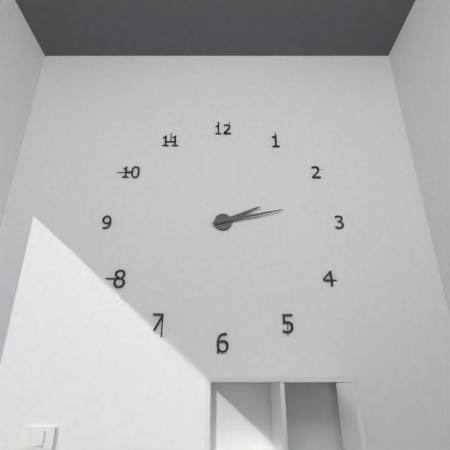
2:13
